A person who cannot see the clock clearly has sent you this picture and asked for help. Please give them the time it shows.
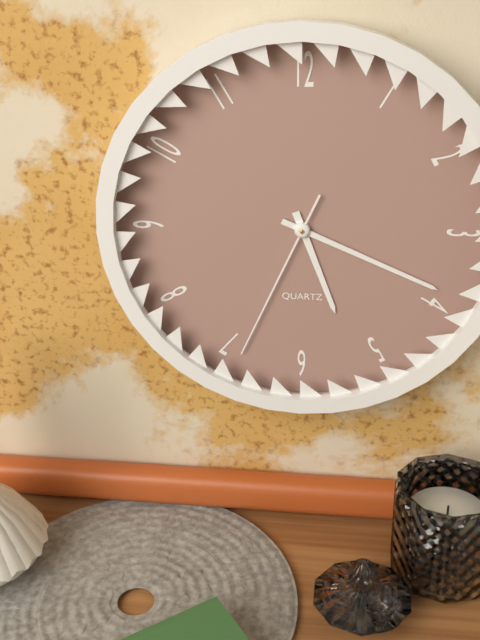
5:19:34
